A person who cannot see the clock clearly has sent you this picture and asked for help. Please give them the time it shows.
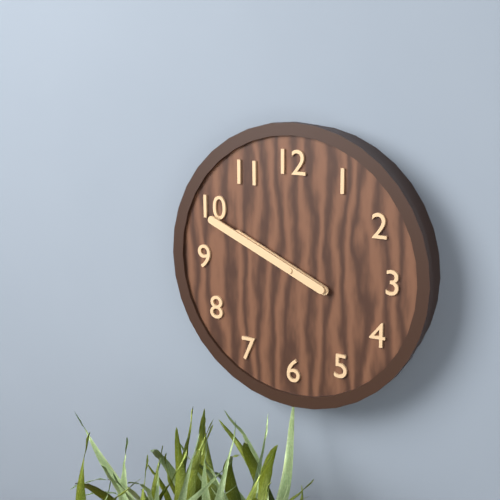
9:49
